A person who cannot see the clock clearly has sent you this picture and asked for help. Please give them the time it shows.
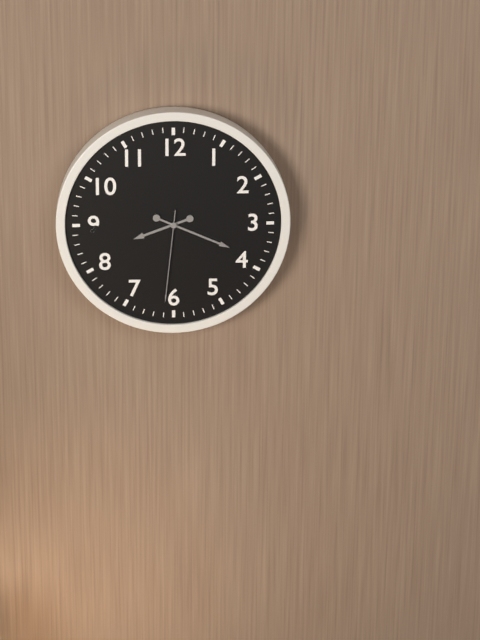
8:19:31
